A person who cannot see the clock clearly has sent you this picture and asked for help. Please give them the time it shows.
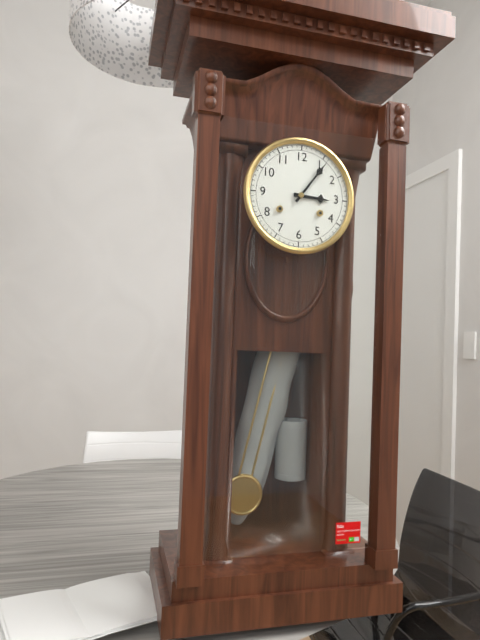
3:06
